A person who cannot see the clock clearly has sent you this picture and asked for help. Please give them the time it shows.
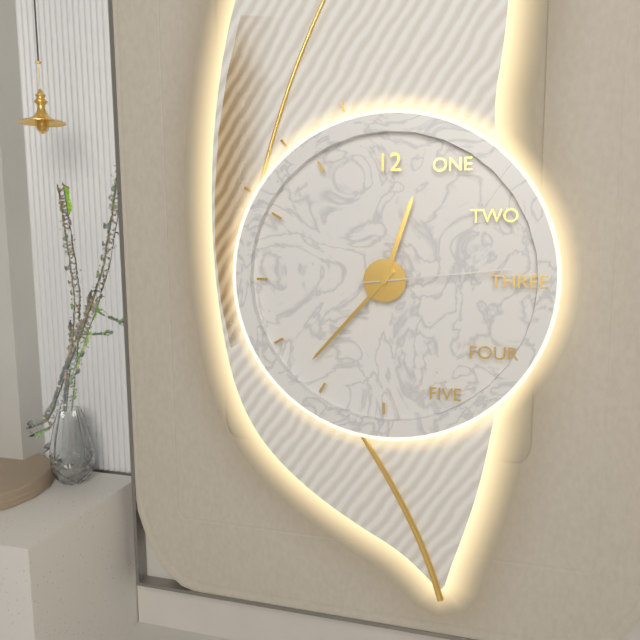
12:37:14
